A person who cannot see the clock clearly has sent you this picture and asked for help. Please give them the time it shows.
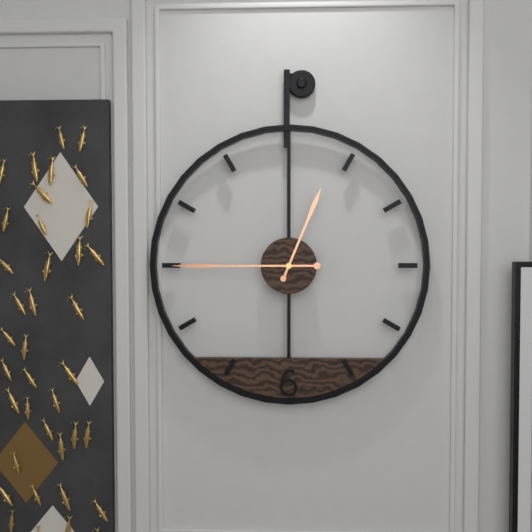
12:45
